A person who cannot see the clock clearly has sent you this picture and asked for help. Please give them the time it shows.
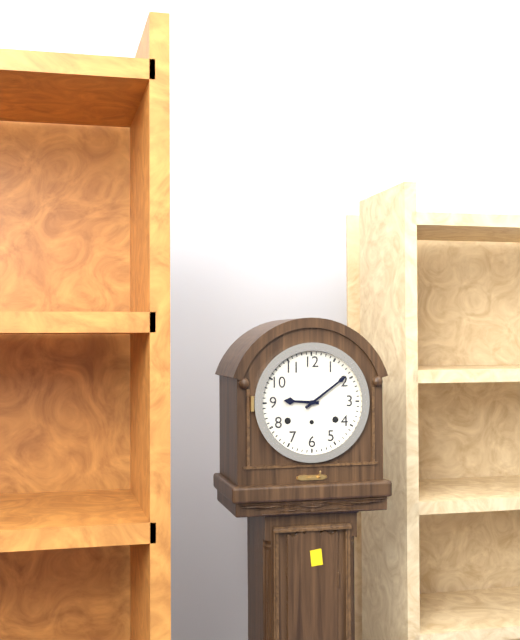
9:09
